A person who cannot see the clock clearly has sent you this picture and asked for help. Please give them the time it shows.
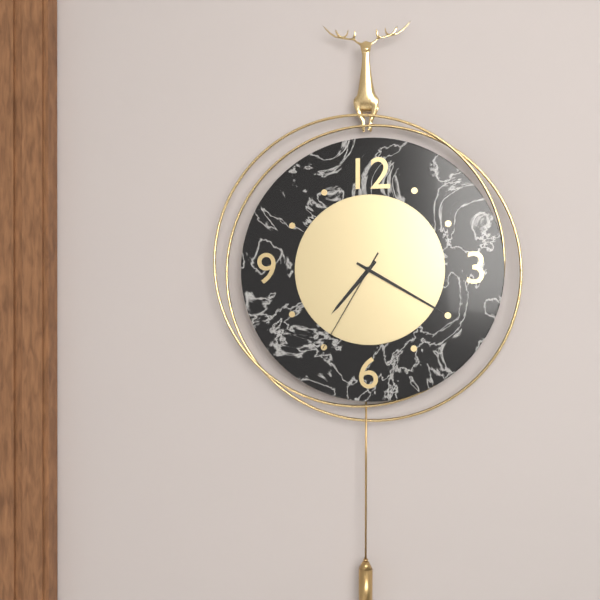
7:20:35
